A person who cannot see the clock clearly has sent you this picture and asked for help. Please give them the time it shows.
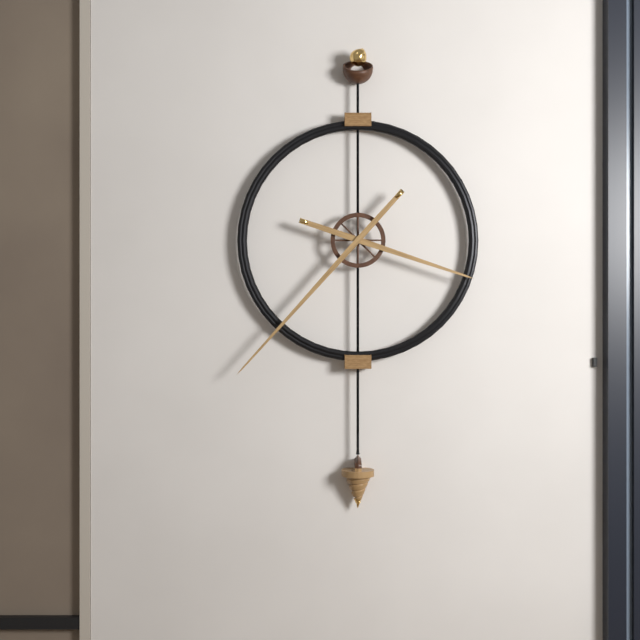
3:37
